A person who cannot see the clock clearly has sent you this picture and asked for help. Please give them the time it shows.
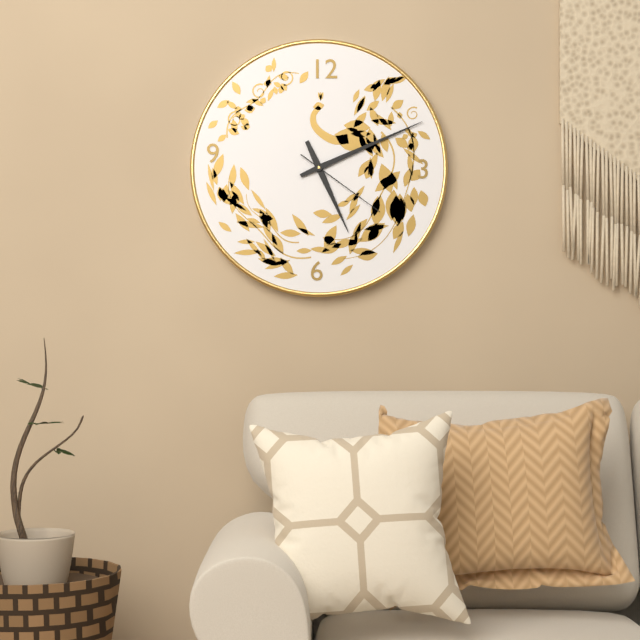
5:11:21
